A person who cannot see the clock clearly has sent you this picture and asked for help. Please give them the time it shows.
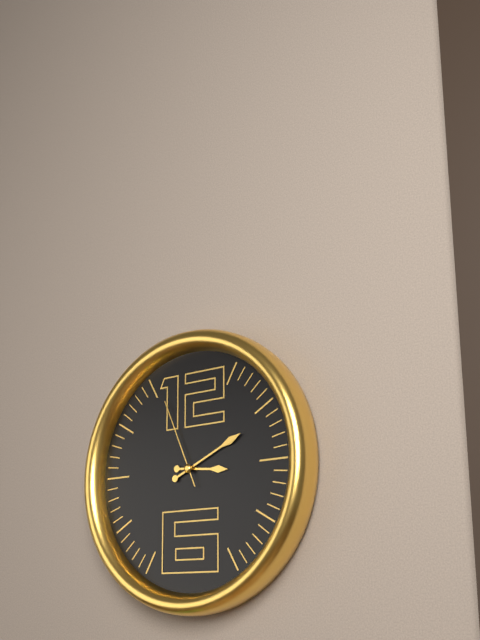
3:11:56
